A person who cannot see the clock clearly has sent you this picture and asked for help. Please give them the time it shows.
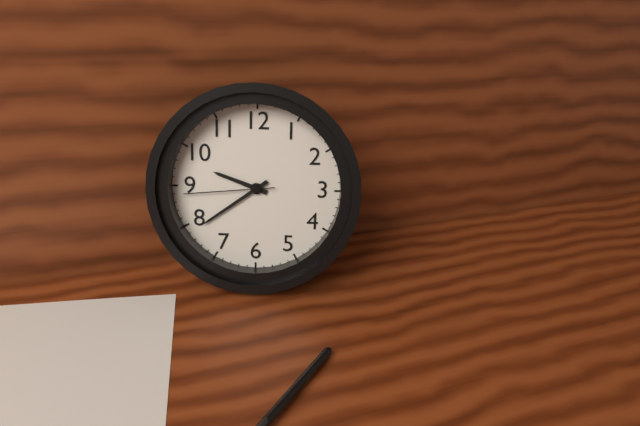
9:39:44
